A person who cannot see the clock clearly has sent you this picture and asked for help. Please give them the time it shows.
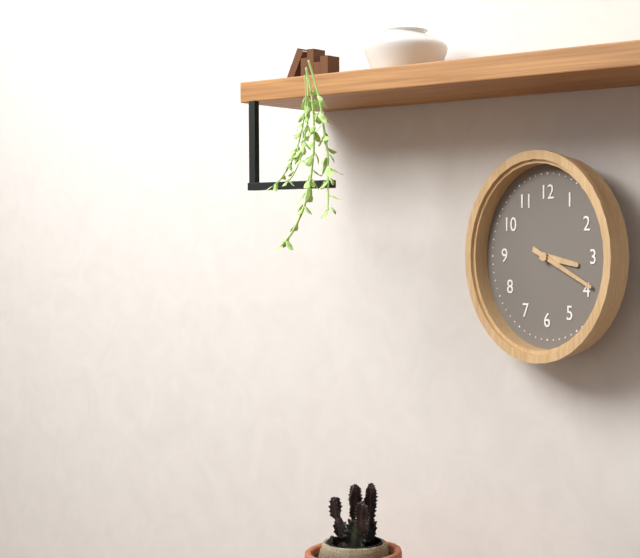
3:19
